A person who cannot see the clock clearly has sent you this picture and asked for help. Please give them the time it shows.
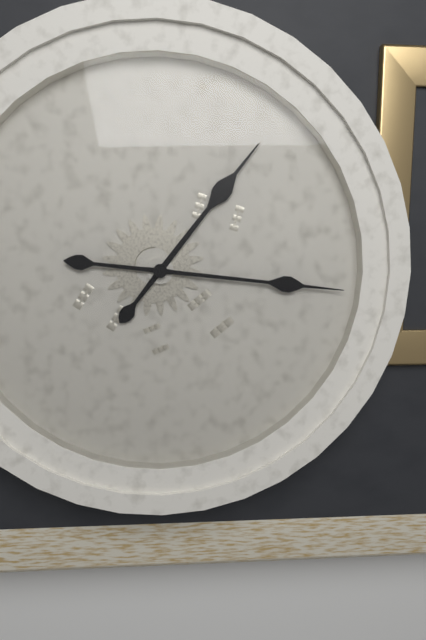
1:16
